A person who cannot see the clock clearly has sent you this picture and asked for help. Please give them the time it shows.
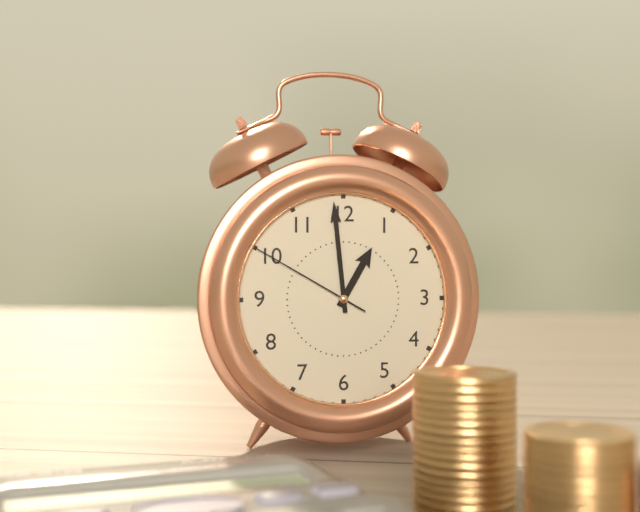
12:59:50
